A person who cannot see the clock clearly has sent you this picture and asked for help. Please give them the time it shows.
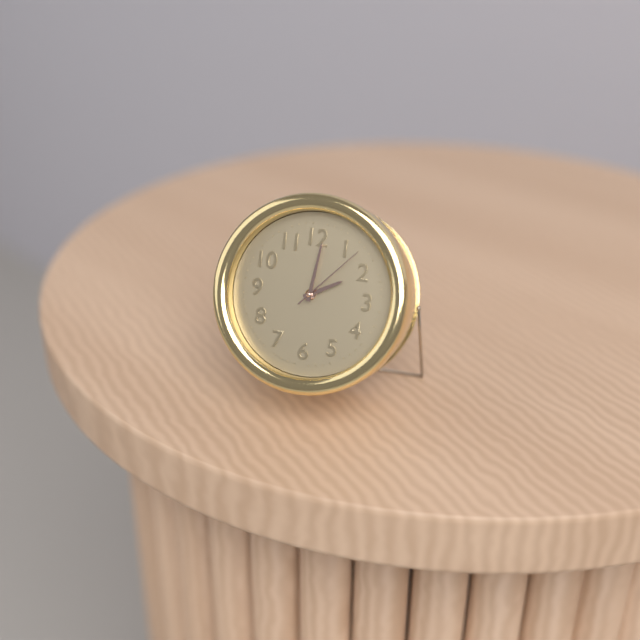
2:01:07
